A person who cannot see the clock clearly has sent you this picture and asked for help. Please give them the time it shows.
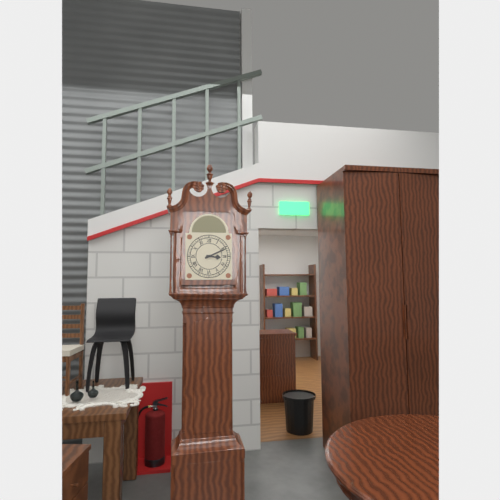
3:11
